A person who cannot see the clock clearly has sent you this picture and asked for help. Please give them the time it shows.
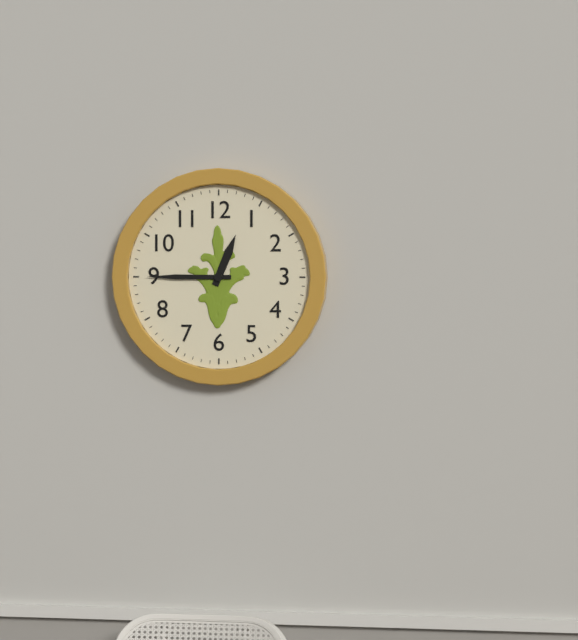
12:45
